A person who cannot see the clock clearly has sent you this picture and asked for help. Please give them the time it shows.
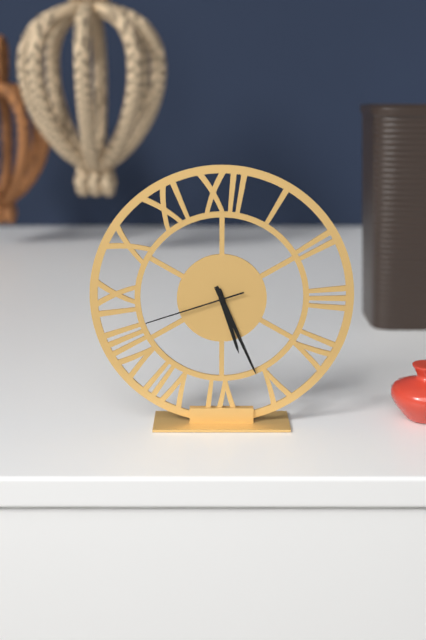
5:26:42
